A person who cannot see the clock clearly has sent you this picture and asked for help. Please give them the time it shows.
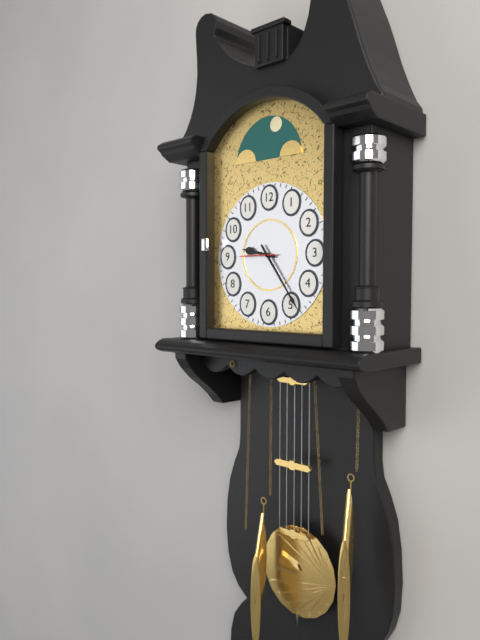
9:24
